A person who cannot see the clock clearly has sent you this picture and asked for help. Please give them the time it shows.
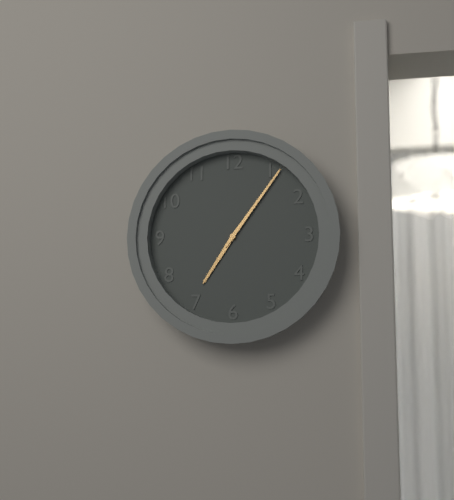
7:06
